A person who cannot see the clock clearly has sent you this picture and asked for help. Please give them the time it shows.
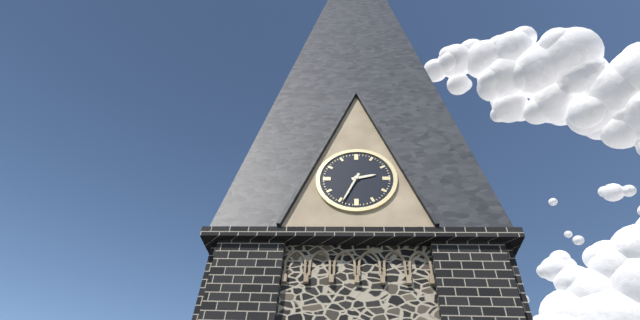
2:34
